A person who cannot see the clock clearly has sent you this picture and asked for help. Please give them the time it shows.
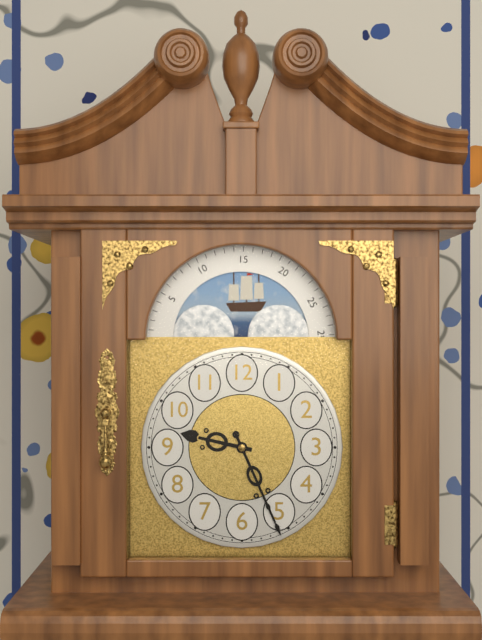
9:26
